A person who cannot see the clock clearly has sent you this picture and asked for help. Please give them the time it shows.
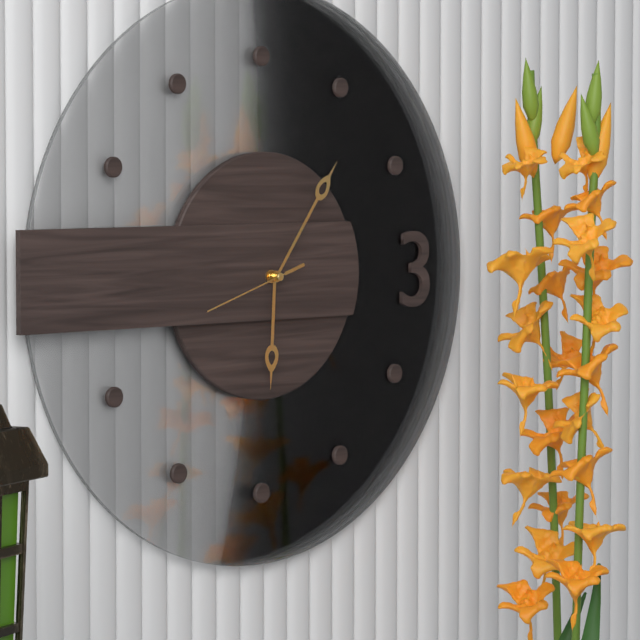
6:06:42
